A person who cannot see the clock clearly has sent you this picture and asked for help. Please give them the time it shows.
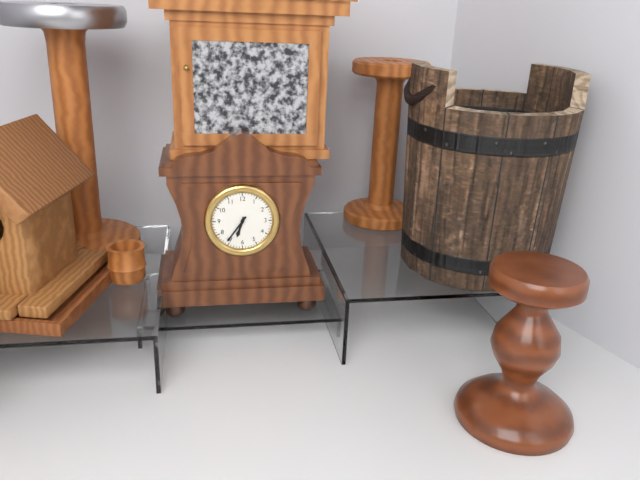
6:36
